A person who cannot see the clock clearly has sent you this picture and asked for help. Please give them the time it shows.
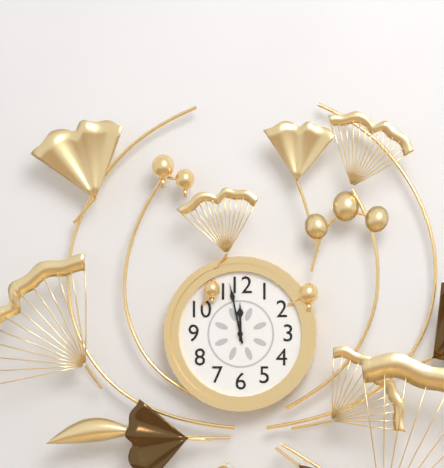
11:58
